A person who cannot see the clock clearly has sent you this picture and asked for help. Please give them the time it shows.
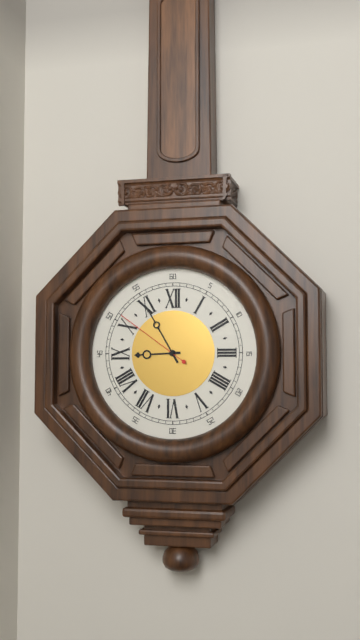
8:55:51
